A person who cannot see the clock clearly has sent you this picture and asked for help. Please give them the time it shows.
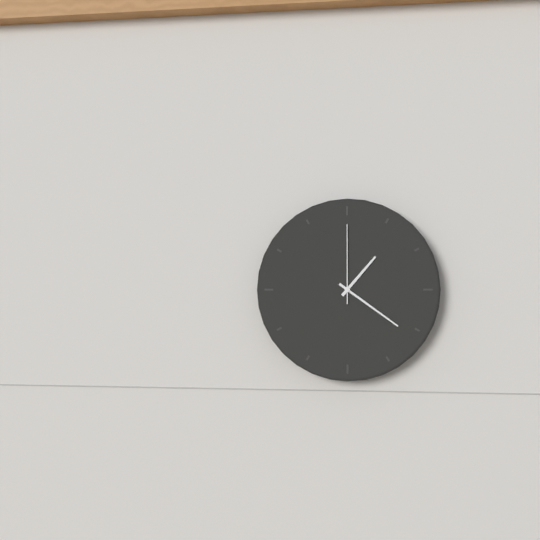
1:21:00
